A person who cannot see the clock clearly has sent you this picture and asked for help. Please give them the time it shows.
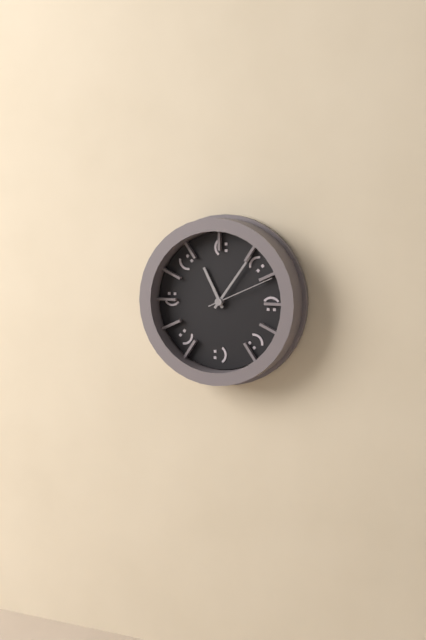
11:06:11
